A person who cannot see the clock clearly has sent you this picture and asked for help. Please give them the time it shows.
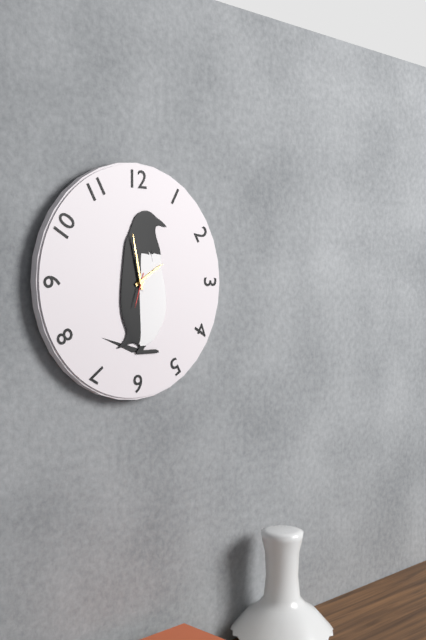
1:58
